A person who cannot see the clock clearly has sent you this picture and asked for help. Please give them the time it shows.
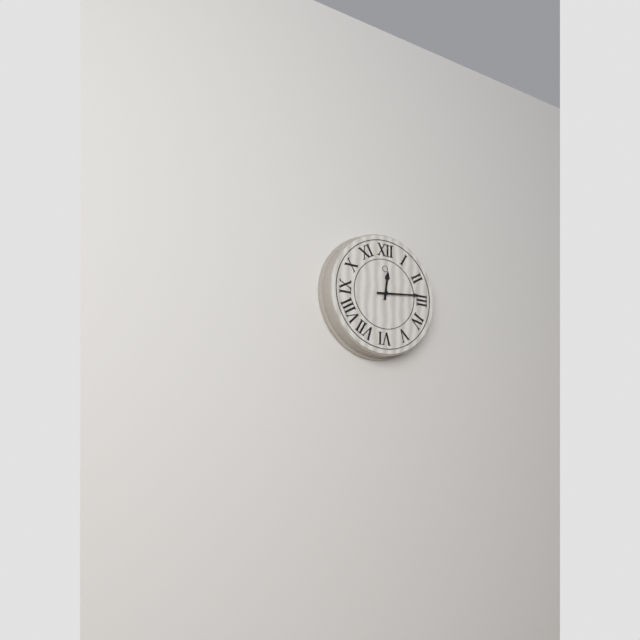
12:14
